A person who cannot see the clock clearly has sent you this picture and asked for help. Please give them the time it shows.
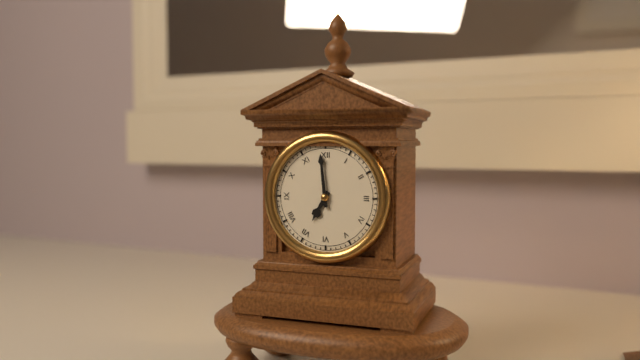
6:59
